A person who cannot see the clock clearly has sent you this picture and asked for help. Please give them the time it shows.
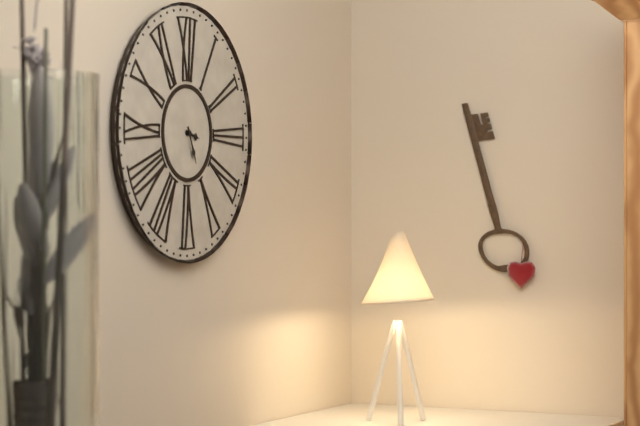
3:26
